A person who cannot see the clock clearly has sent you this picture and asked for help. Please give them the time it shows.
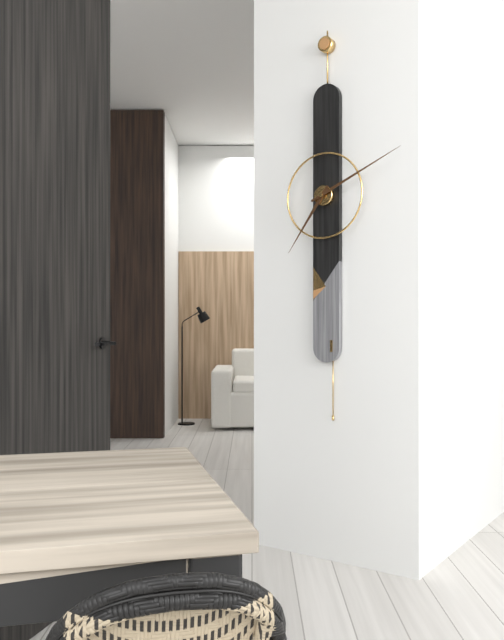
7:11
